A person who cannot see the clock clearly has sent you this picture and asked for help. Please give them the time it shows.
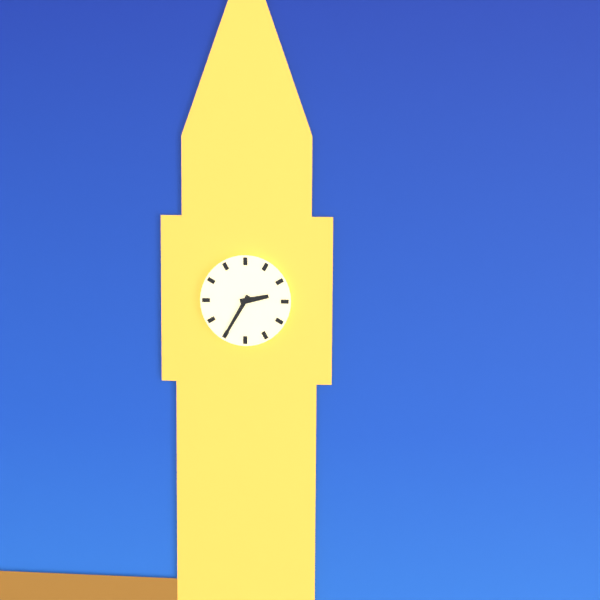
2:35
